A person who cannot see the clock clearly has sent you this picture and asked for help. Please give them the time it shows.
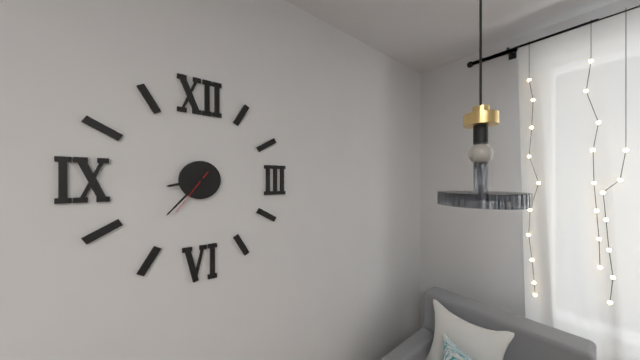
8:37:36
